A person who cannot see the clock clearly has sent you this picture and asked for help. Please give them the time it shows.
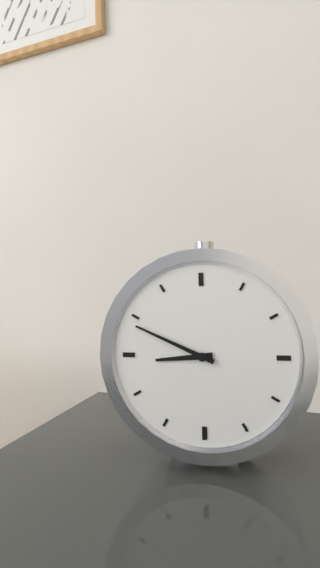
8:49
